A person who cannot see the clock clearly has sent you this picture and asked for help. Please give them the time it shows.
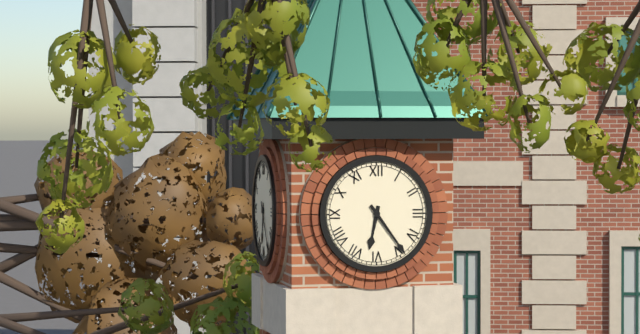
6:24
